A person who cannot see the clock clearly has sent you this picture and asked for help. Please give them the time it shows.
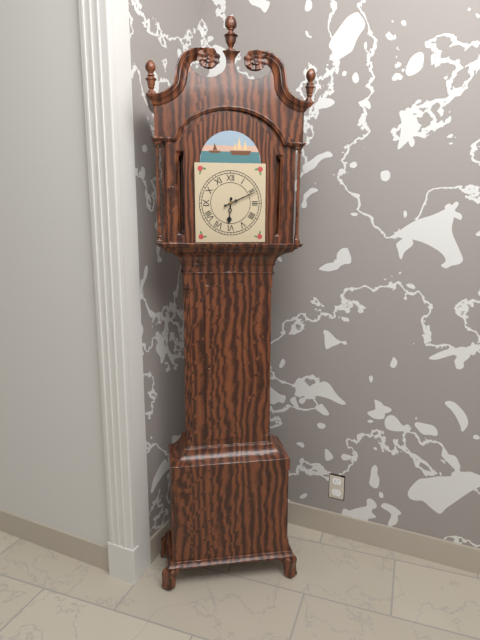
6:11
